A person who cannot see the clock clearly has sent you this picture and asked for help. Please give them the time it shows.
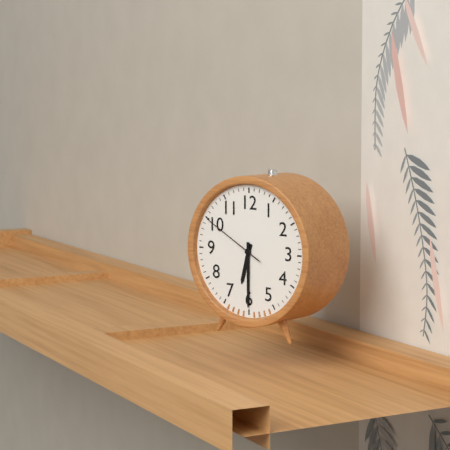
6:30:50
